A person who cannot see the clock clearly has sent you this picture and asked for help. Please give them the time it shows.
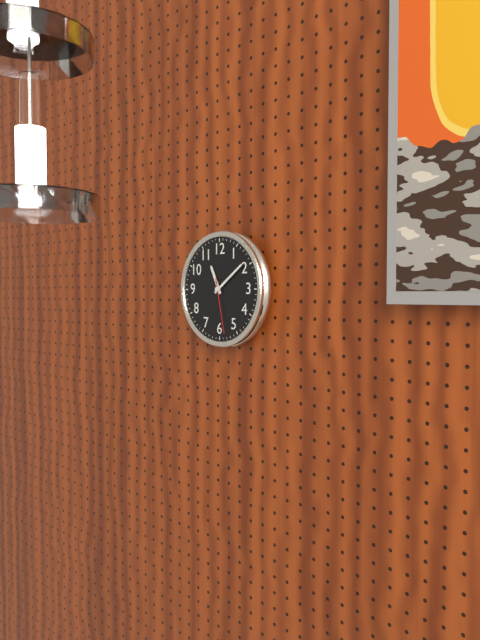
11:09:28
